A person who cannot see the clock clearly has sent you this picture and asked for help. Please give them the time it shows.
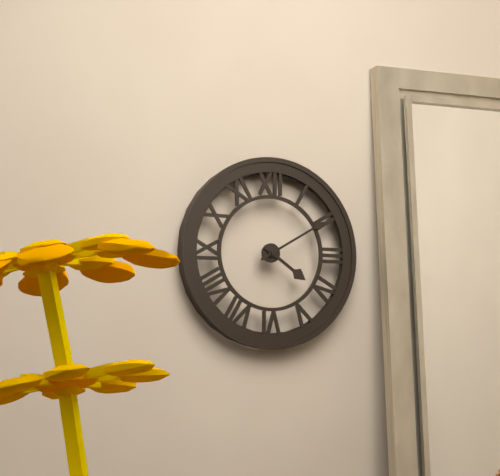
4:10
